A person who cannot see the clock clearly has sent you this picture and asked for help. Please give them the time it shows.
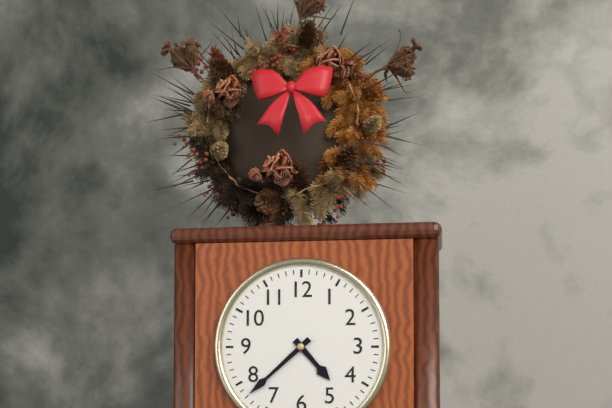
4:38
